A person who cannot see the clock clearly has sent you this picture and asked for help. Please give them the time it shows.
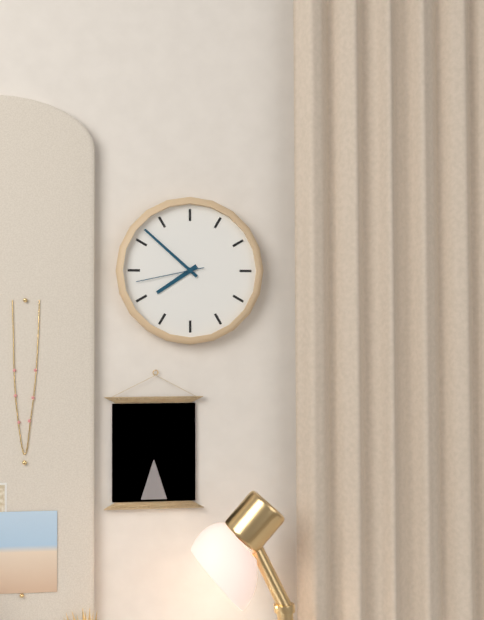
7:52:43
